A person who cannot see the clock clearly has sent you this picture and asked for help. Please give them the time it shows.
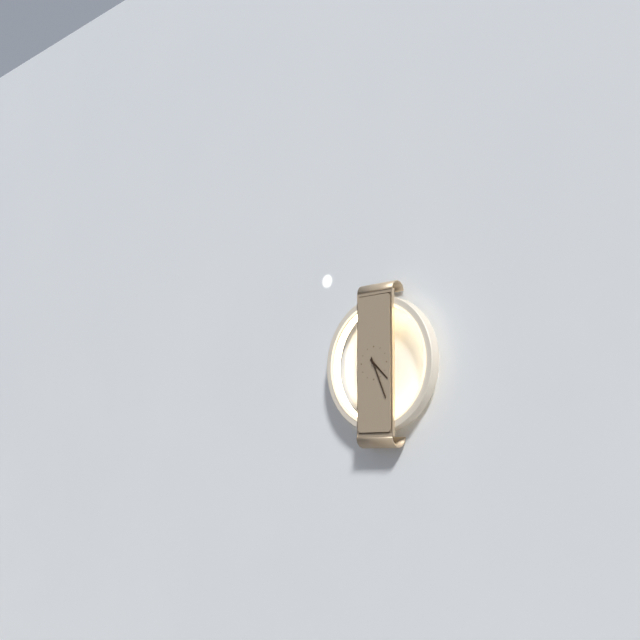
4:26
